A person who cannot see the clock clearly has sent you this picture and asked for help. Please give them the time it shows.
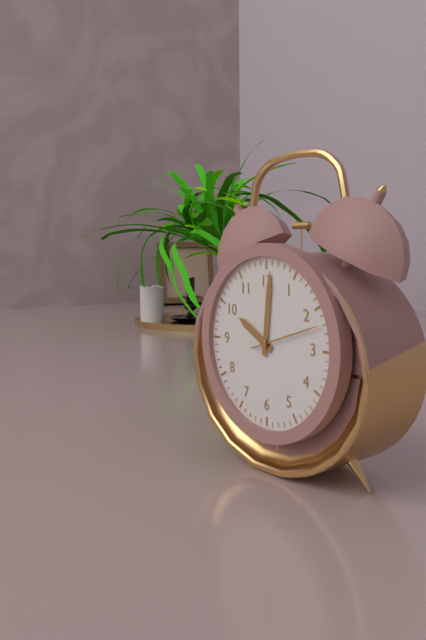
10:01:12
